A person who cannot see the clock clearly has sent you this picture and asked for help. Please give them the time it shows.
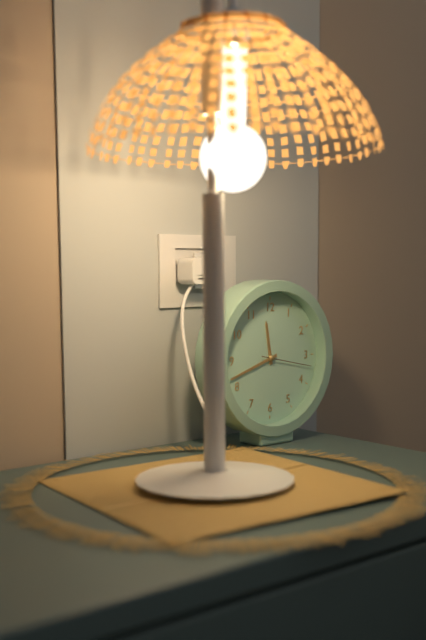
11:42:17
